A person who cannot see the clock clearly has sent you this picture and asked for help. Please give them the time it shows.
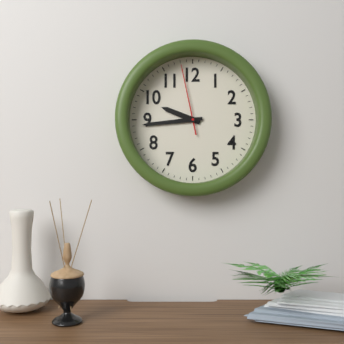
9:44:58
